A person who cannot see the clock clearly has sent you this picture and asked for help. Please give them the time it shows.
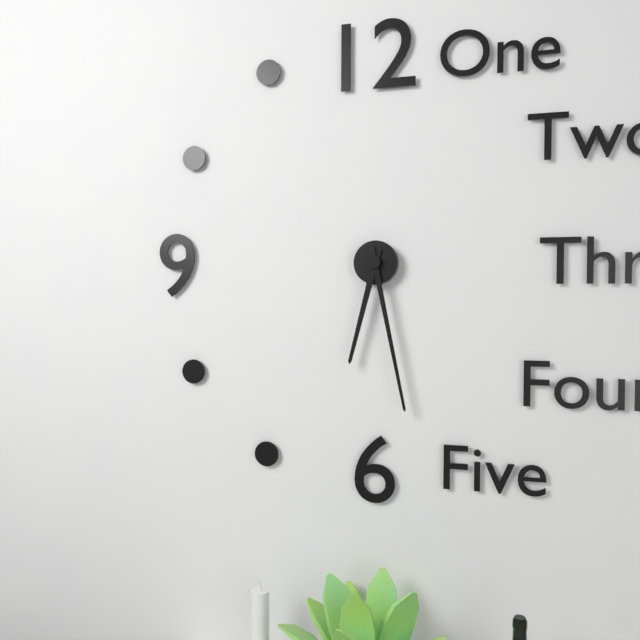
6:28
